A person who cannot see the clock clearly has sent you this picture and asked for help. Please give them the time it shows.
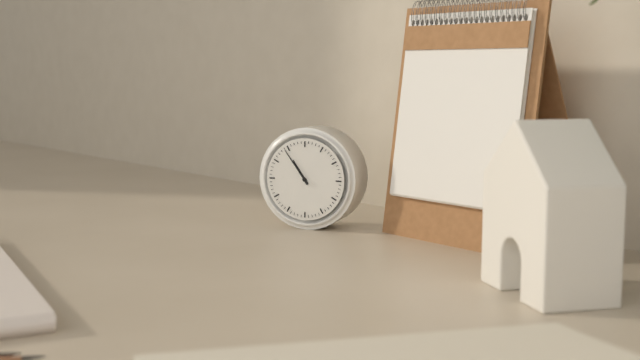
10:54
